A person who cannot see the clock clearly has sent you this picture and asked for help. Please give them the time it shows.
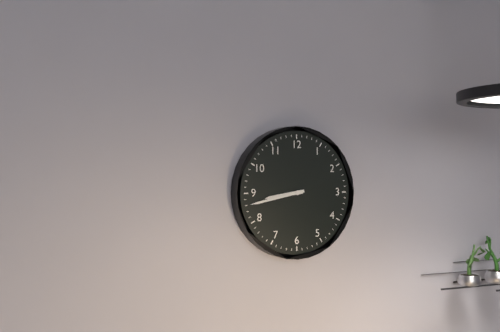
8:43
